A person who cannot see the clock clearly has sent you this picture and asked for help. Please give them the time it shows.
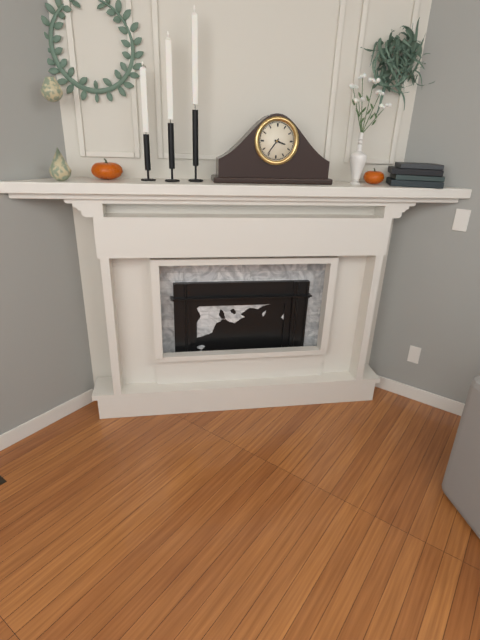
3:36
